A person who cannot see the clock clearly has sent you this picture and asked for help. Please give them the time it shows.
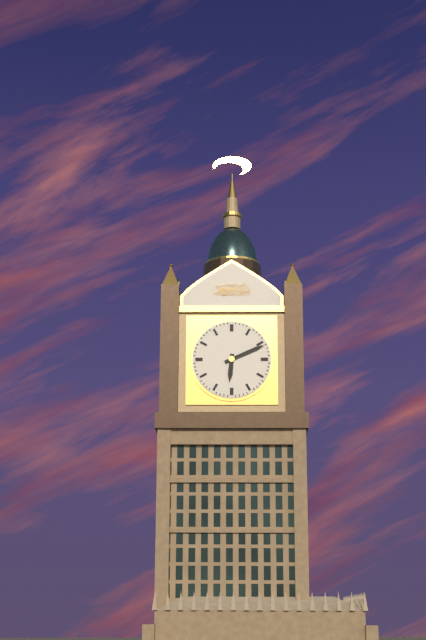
6:11
